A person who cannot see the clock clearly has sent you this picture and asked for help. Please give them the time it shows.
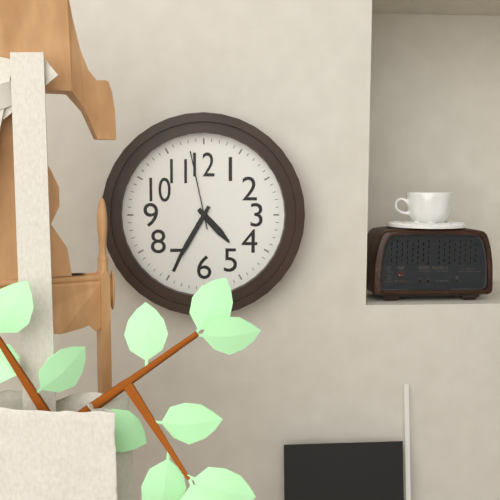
4:35:58
